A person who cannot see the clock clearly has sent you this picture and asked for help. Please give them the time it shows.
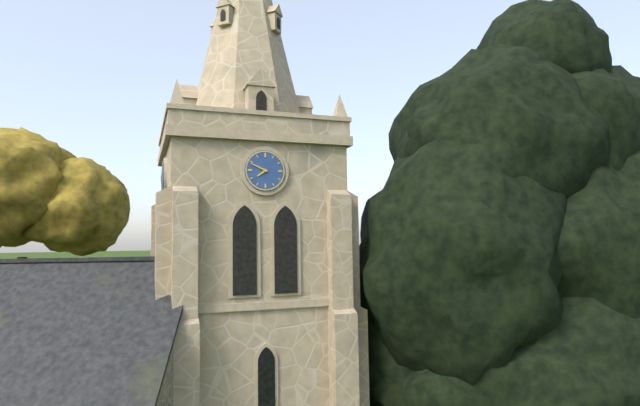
7:49
